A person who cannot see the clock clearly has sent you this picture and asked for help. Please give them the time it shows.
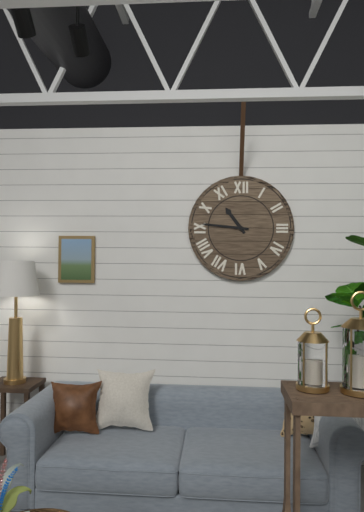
10:46
